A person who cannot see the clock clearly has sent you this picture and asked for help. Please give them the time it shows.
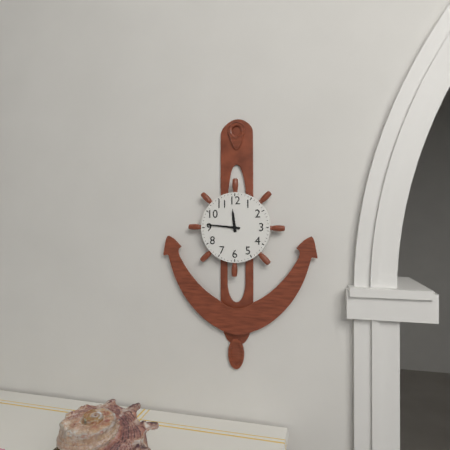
11:46
